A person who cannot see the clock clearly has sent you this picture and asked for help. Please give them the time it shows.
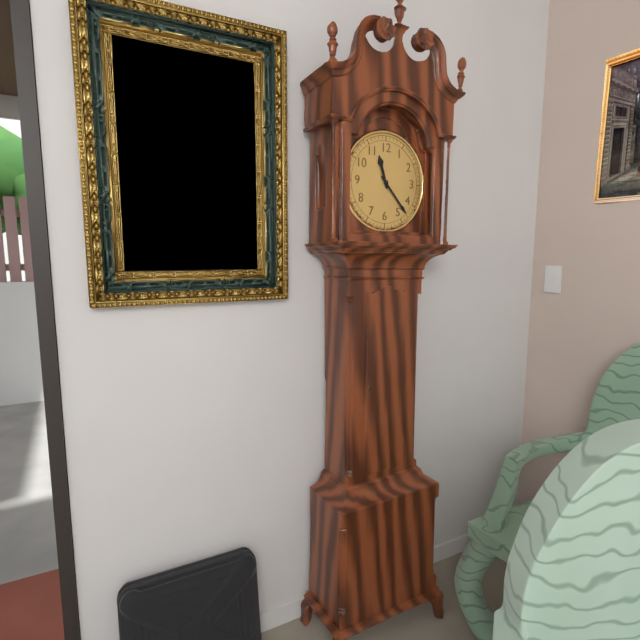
11:23
